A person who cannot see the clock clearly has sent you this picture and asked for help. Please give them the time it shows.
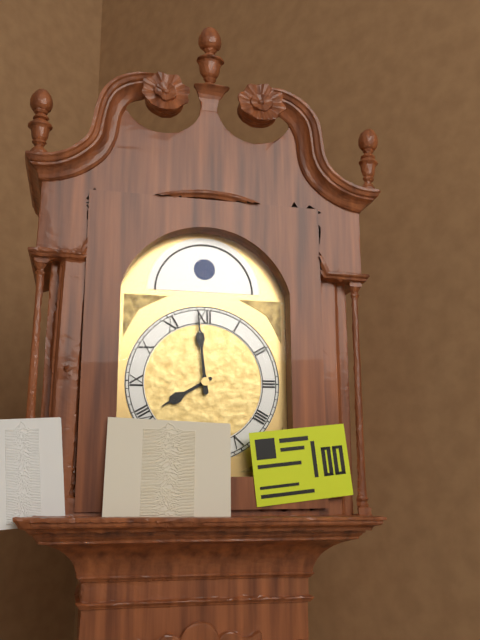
7:59
